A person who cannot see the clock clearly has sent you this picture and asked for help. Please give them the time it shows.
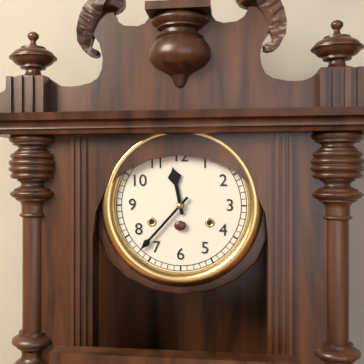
11:37
